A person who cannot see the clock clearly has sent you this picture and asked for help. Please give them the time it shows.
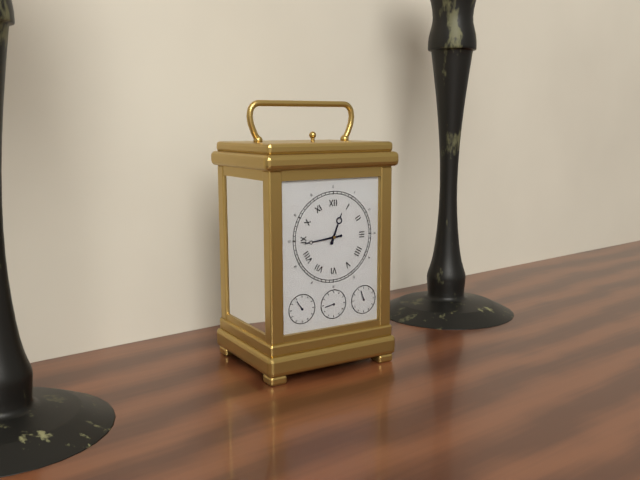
12:44
